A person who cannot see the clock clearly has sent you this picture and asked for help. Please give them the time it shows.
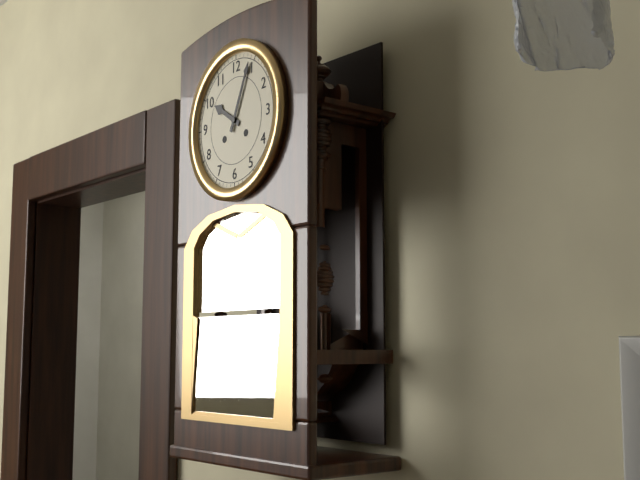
10:04
